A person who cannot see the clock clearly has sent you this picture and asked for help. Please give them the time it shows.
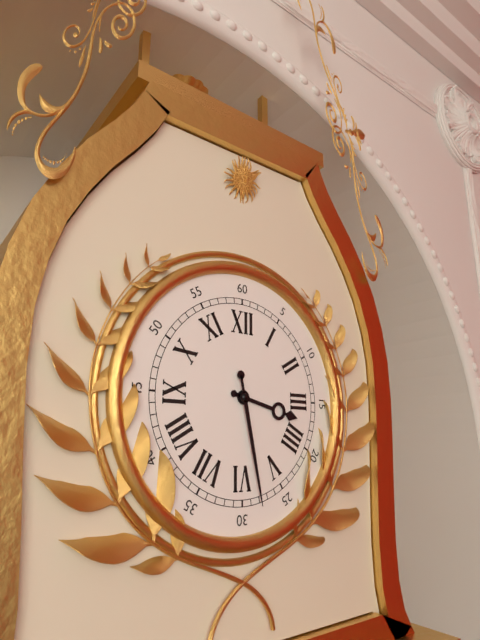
3:28
